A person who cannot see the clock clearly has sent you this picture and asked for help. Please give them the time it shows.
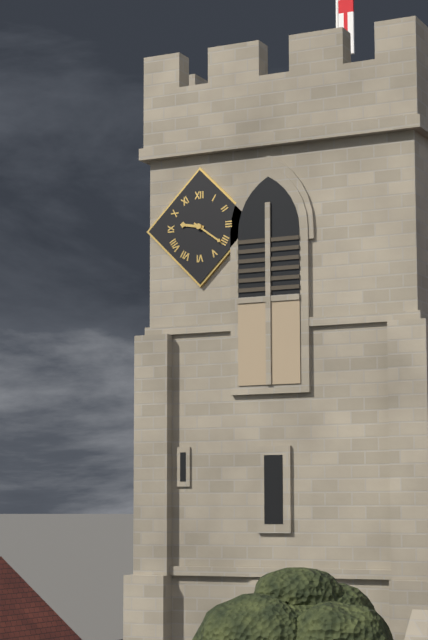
9:21
